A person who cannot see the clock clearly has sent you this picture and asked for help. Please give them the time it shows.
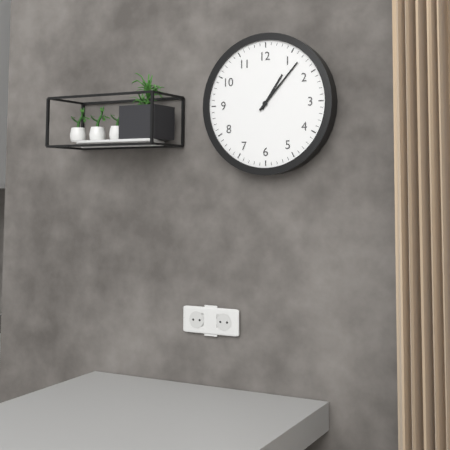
1:07
